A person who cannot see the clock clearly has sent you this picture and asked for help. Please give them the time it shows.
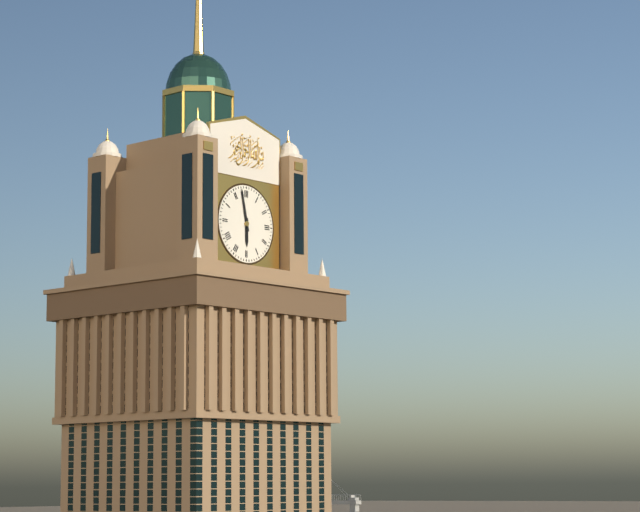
5:58
